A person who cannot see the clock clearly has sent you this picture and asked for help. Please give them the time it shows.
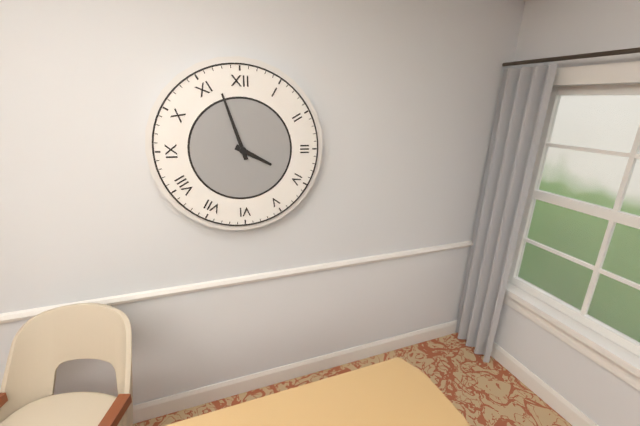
3:57
